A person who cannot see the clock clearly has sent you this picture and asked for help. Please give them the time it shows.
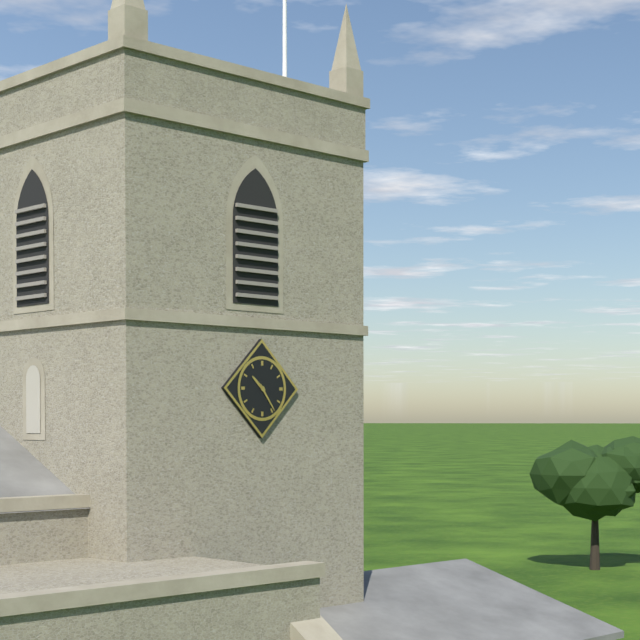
10:24
